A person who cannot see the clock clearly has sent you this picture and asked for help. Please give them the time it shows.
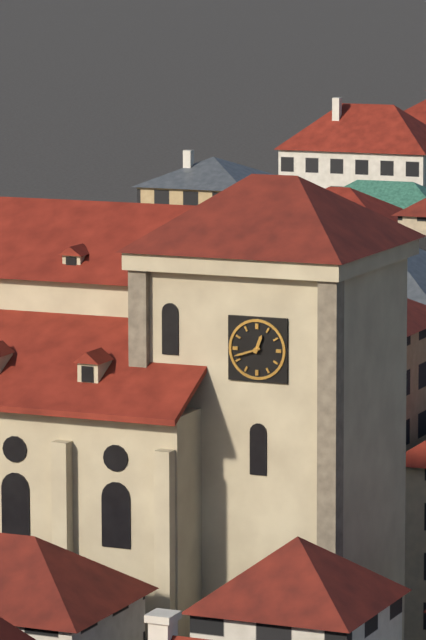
12:42
